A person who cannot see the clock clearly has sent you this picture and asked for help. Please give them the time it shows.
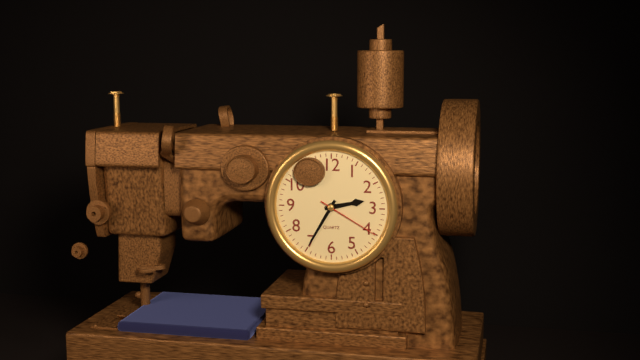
2:35:20
